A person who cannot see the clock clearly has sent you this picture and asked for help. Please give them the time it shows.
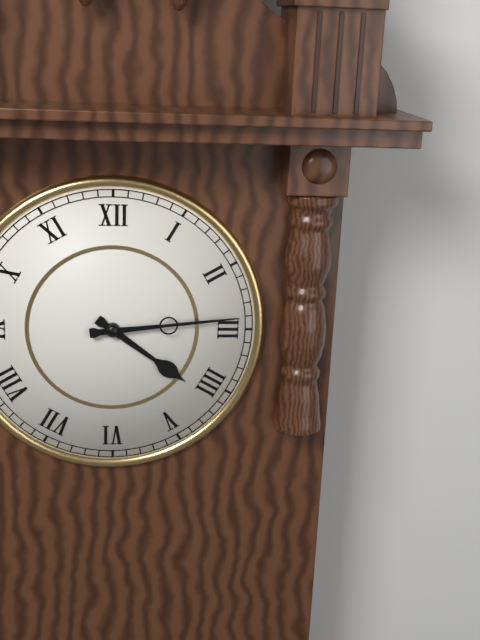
4:14
